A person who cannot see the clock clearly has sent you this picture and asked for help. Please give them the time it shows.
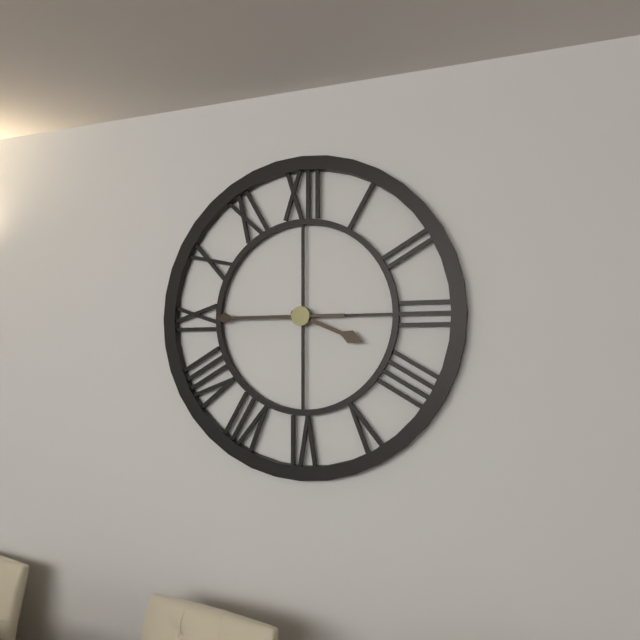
3:45
